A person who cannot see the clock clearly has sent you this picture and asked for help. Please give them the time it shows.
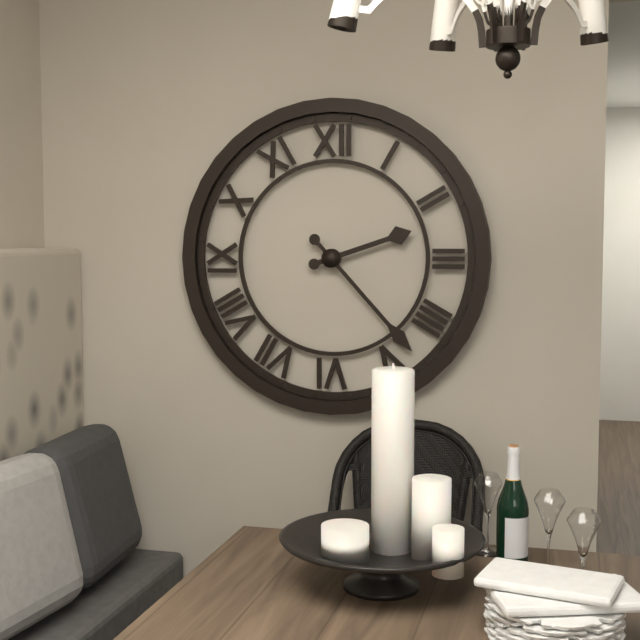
2:23
